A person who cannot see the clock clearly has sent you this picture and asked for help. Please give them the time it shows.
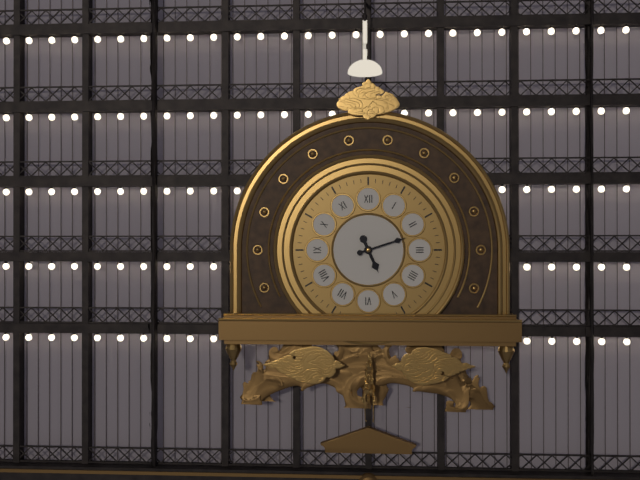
5:12
